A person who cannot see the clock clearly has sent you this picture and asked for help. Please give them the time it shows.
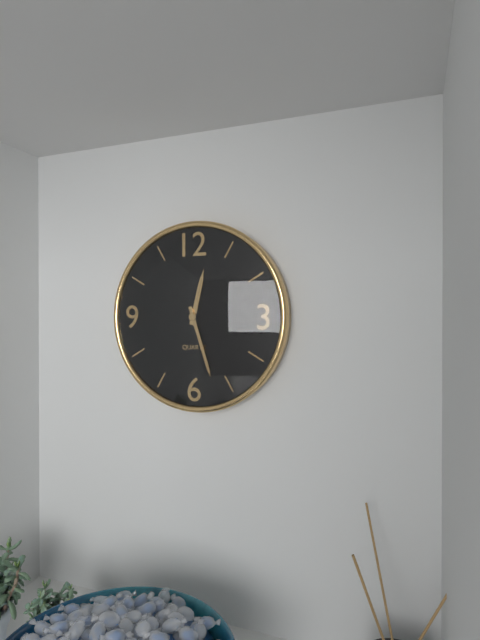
12:27
